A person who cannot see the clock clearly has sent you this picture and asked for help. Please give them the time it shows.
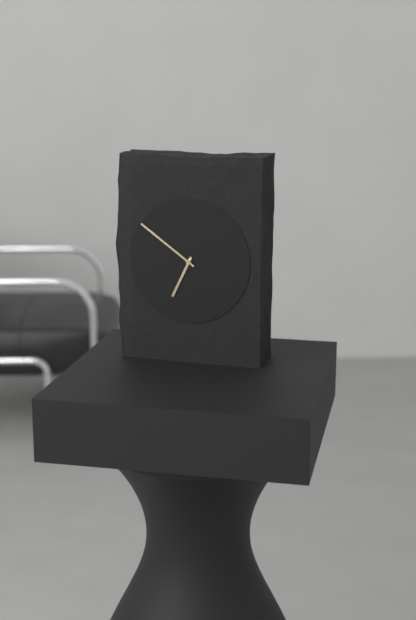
6:51
